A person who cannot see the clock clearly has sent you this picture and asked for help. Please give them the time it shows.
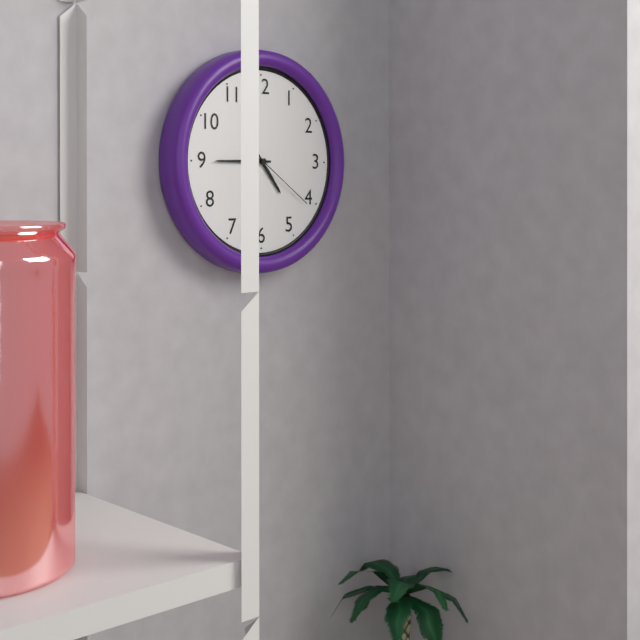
4:45:21
